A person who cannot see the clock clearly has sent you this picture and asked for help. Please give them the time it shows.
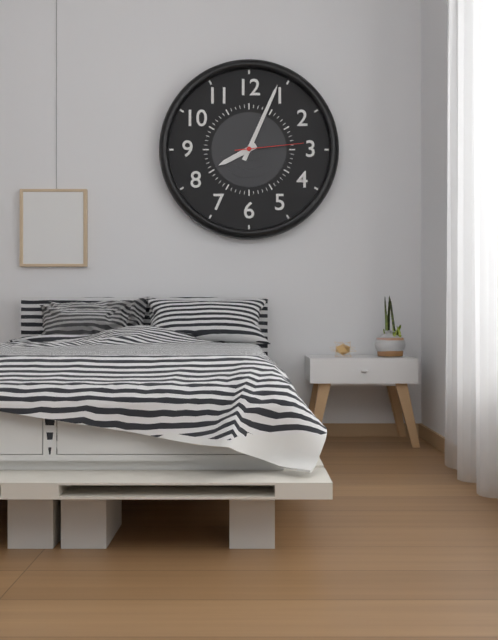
8:04:14
